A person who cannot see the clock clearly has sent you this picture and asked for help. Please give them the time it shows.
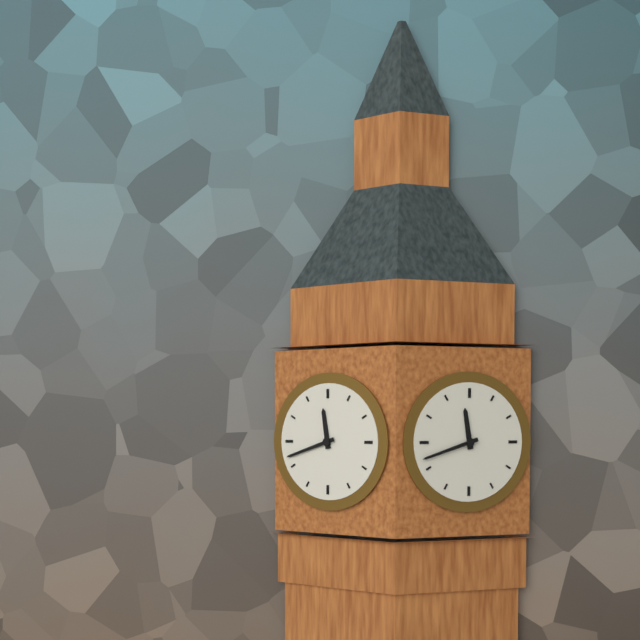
11:42
